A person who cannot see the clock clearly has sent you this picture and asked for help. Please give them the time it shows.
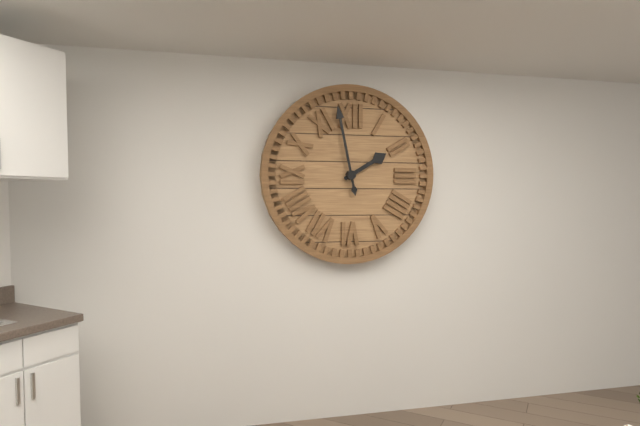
1:58
